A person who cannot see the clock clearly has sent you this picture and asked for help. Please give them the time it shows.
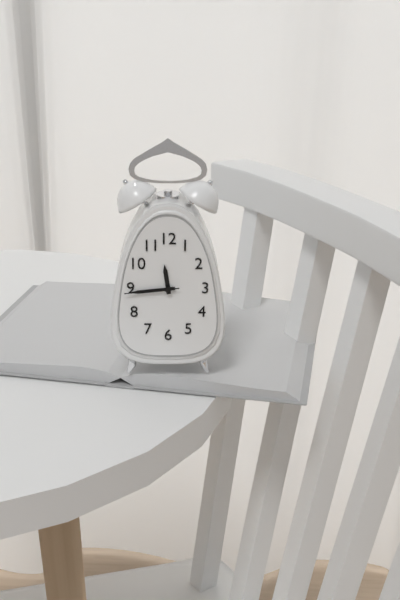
11:44:44
